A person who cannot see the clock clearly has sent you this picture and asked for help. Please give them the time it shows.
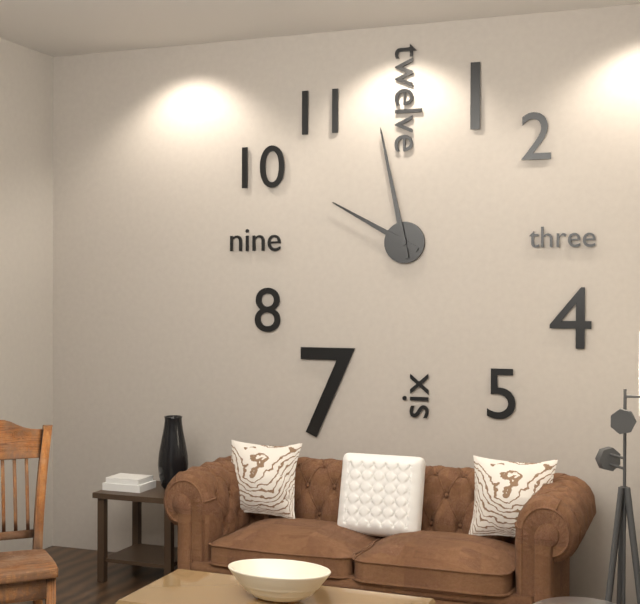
9:58
